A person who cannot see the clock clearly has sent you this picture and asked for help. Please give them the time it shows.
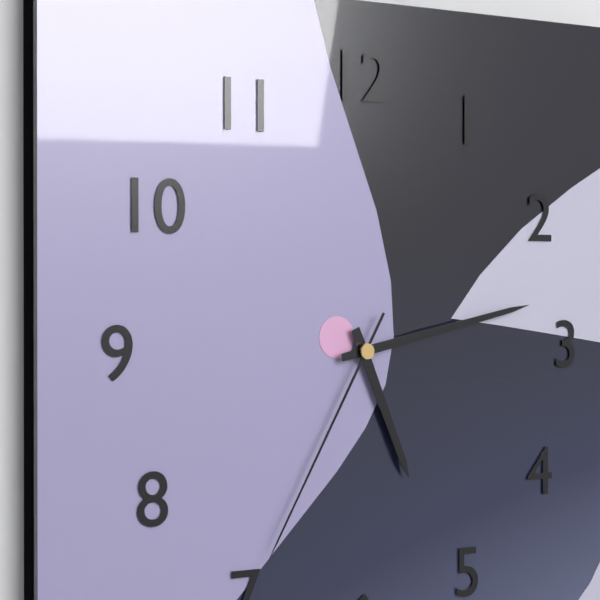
5:13:35
